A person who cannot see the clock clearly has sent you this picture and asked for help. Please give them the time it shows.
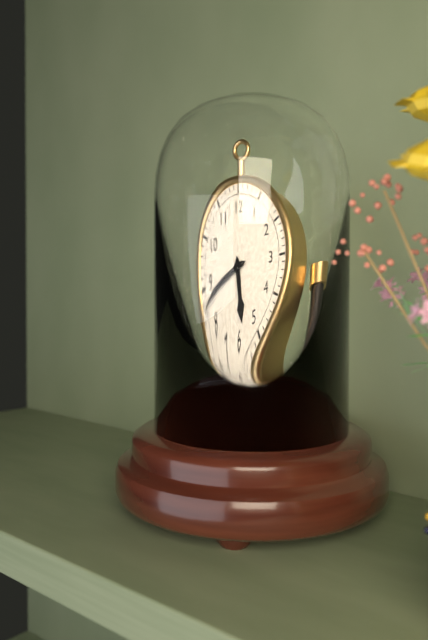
5:43
